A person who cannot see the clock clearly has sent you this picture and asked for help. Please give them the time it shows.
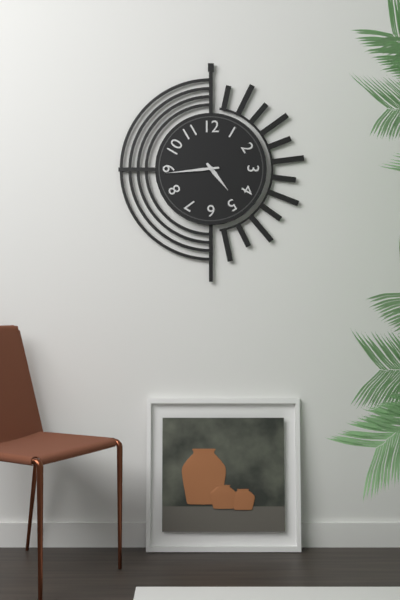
4:44
